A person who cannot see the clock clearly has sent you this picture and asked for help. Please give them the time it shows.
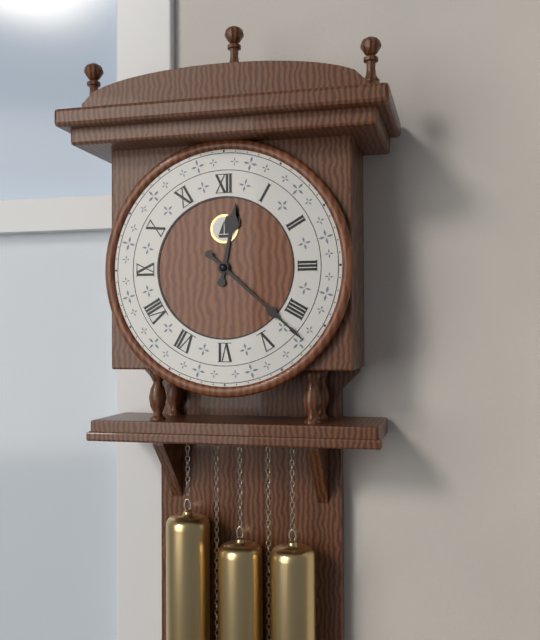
12:22
